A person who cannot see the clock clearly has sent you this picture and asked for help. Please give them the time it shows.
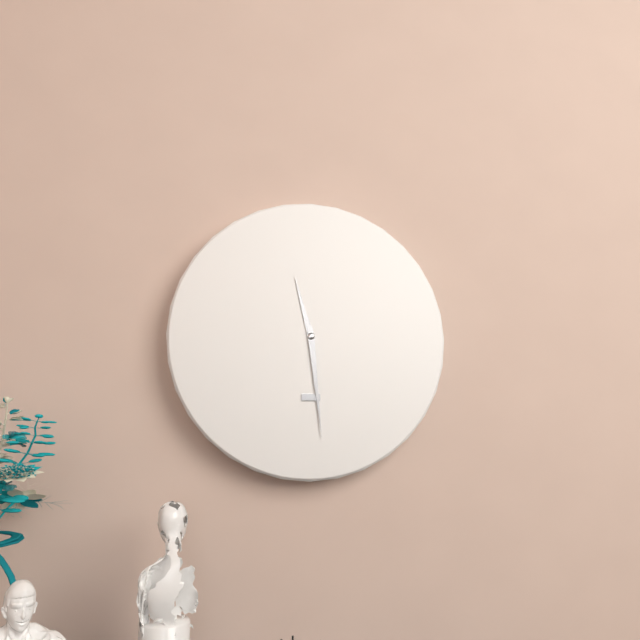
11:29
